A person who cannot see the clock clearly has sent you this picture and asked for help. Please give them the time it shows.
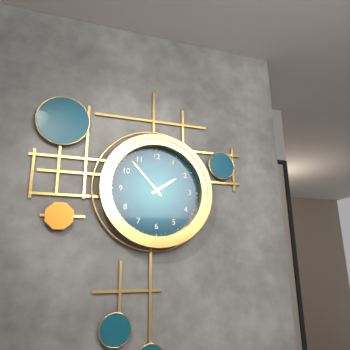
1:53
